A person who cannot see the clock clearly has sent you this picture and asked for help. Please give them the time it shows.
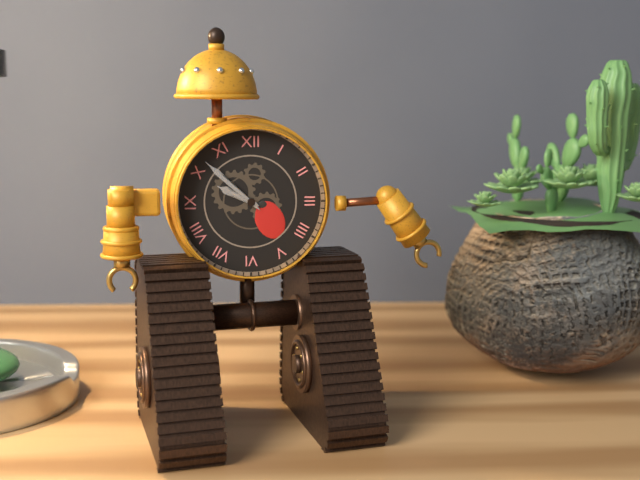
9:52
